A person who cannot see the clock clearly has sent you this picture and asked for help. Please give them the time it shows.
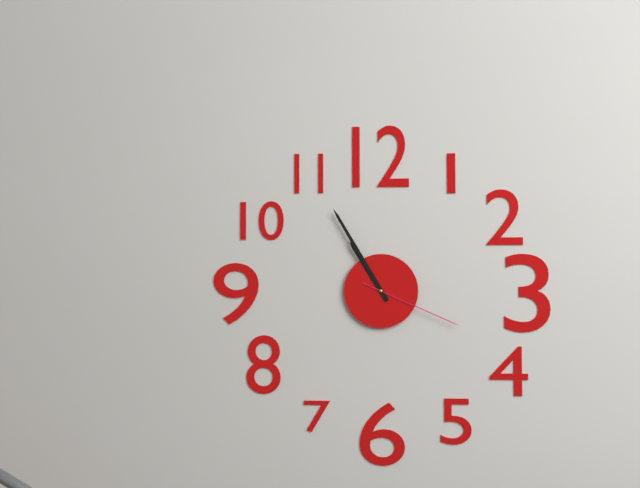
10:55:19
